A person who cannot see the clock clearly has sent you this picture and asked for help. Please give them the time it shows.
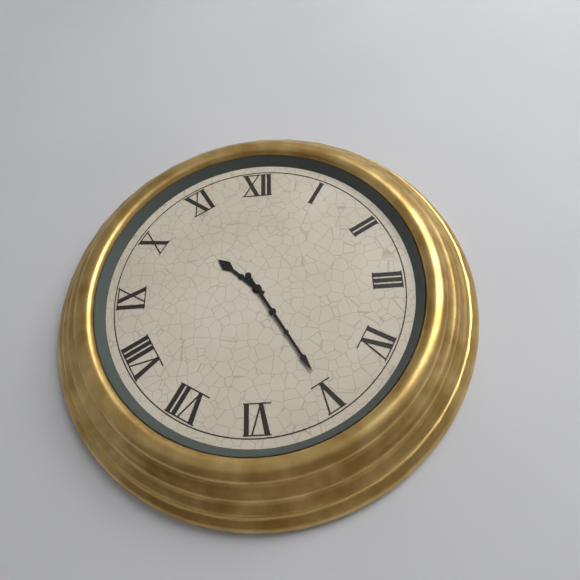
10:25
